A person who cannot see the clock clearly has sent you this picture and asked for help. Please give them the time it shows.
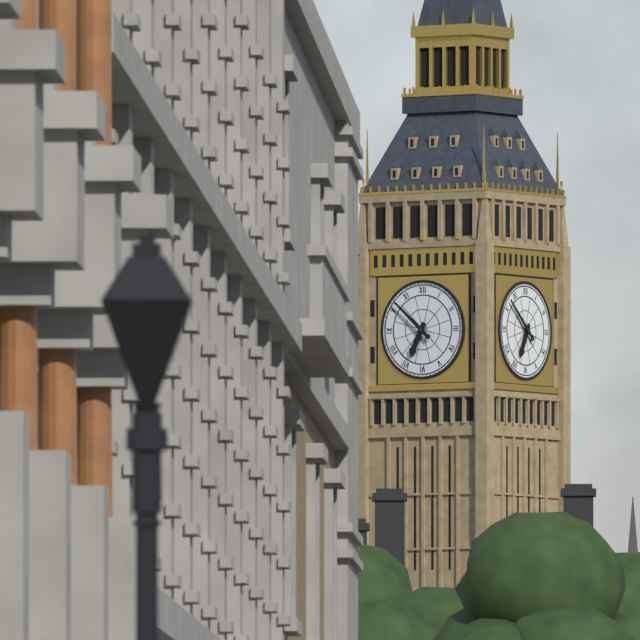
6:52
